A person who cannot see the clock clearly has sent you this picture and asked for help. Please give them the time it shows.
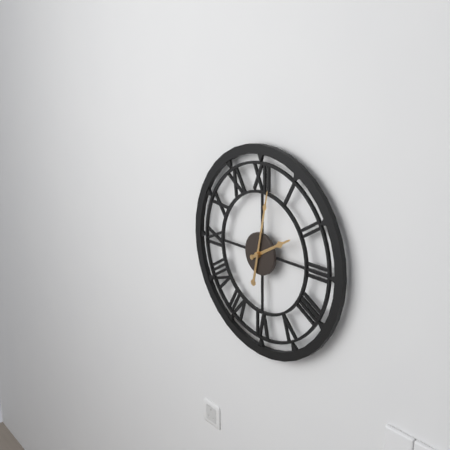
2:02
